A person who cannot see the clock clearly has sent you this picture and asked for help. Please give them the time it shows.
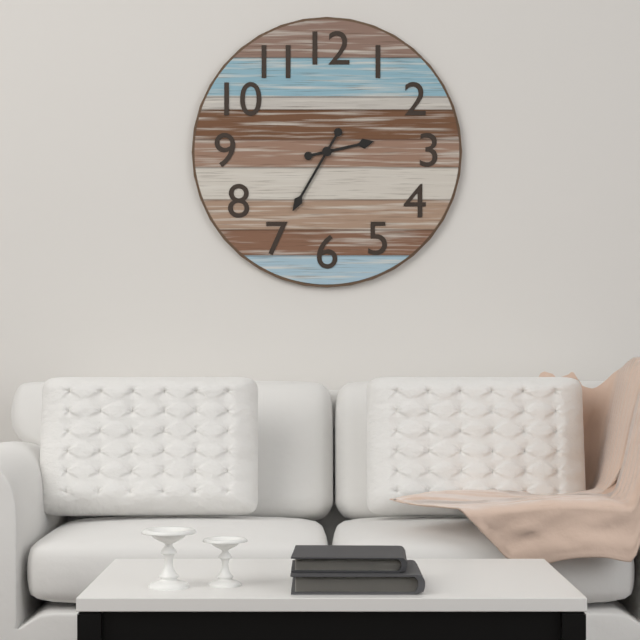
2:35
